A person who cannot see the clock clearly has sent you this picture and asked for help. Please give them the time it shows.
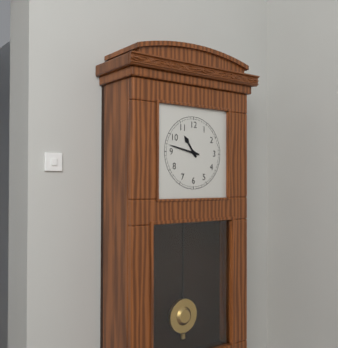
10:47
